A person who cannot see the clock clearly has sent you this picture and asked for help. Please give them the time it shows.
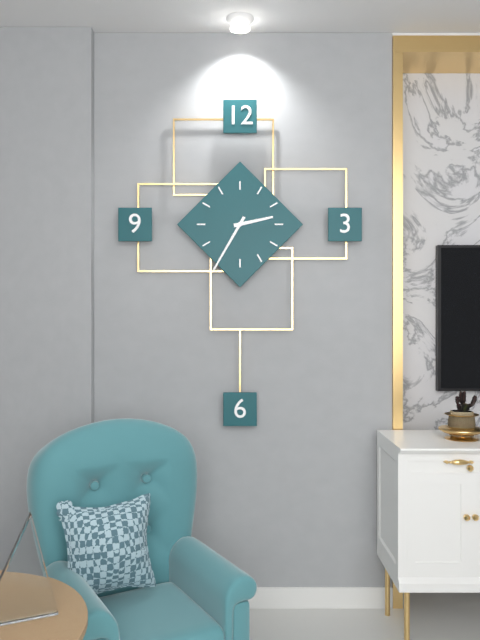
2:35
